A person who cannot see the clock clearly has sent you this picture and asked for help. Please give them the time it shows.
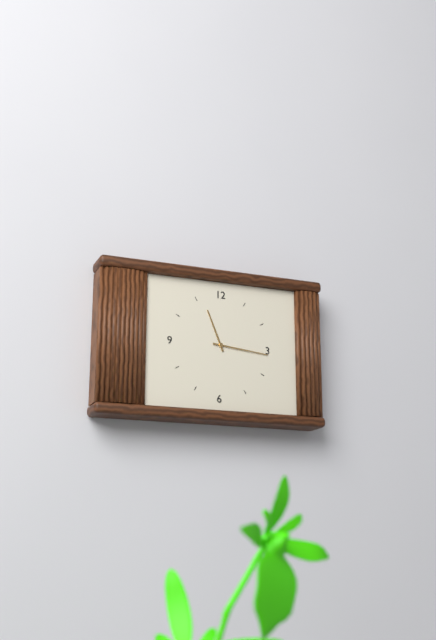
11:16
